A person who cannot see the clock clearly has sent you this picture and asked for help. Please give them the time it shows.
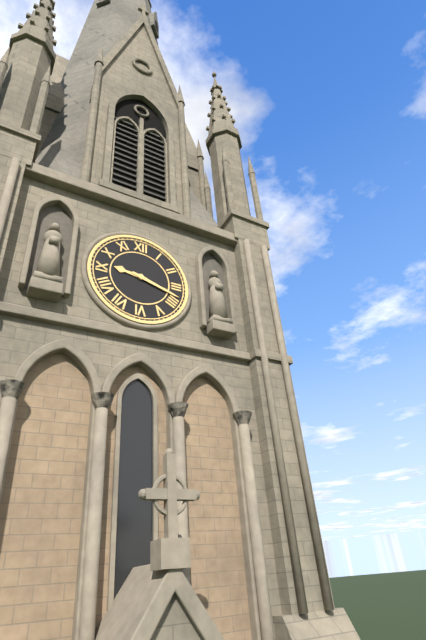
9:18
